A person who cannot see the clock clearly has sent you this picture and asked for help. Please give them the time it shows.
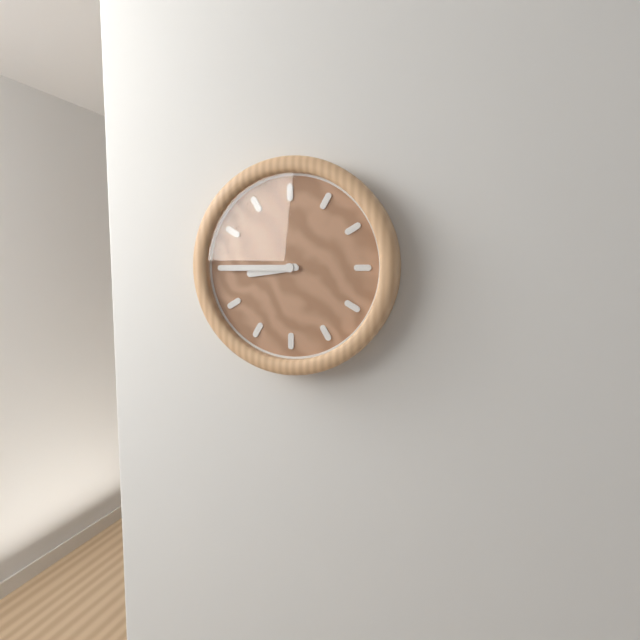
8:45
